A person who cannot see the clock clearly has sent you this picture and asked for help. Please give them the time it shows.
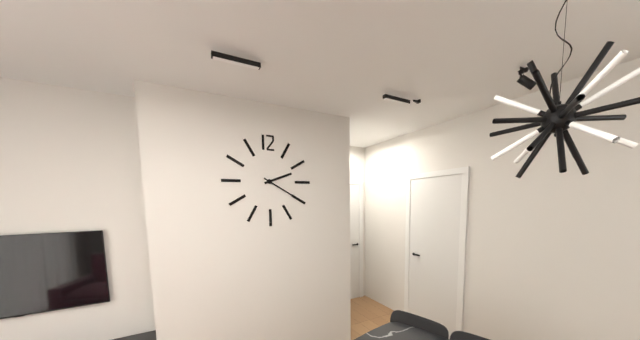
2:20
